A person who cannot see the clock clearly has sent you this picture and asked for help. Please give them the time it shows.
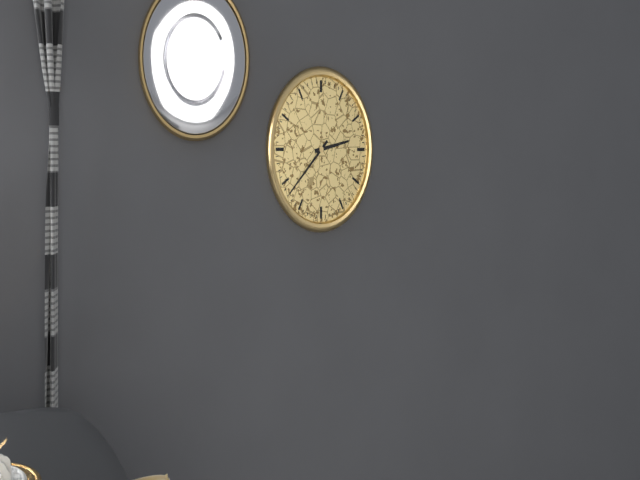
2:38
